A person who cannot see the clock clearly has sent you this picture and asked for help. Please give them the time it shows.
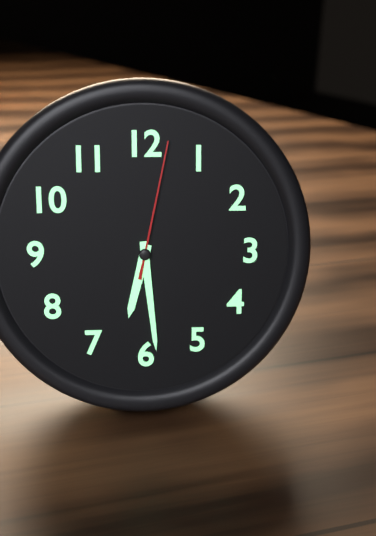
6:29:02
